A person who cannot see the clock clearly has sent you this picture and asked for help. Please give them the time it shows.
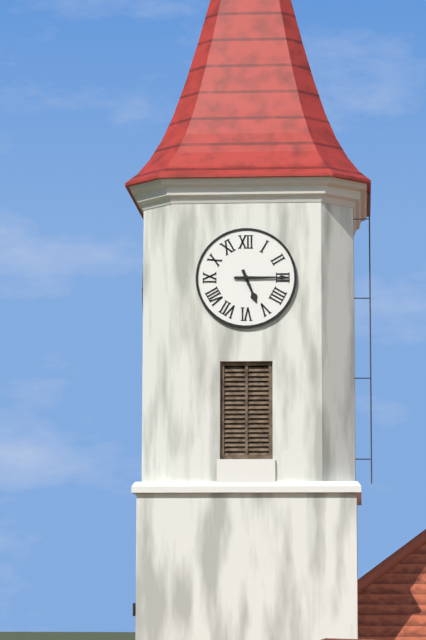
5:15
